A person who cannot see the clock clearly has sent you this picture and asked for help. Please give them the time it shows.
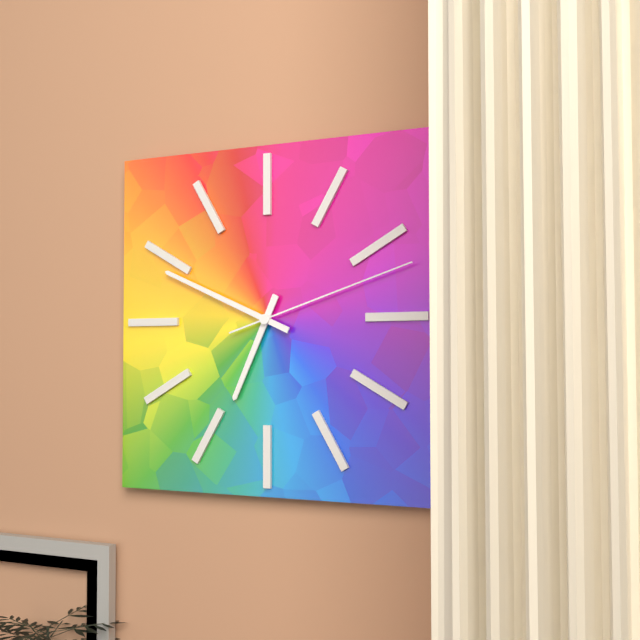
6:49:12
